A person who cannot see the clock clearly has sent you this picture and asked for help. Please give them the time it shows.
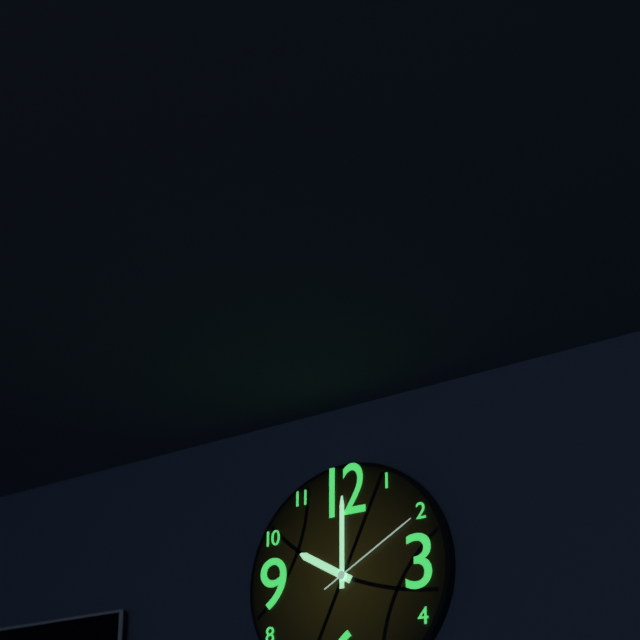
10:00:10
